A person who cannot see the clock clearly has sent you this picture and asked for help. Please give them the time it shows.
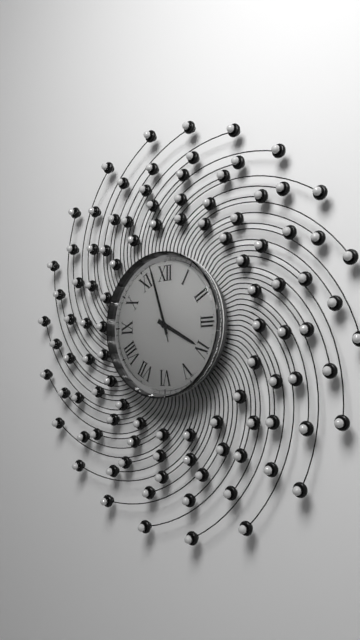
3:57:57
